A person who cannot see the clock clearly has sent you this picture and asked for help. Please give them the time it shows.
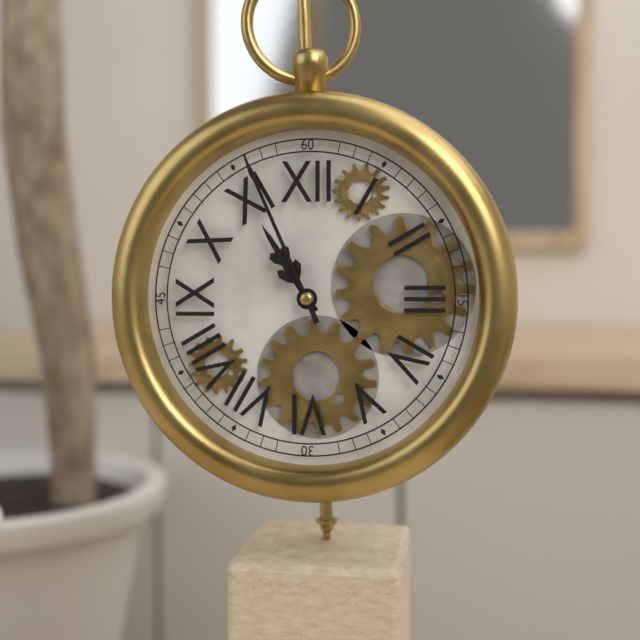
10:56
